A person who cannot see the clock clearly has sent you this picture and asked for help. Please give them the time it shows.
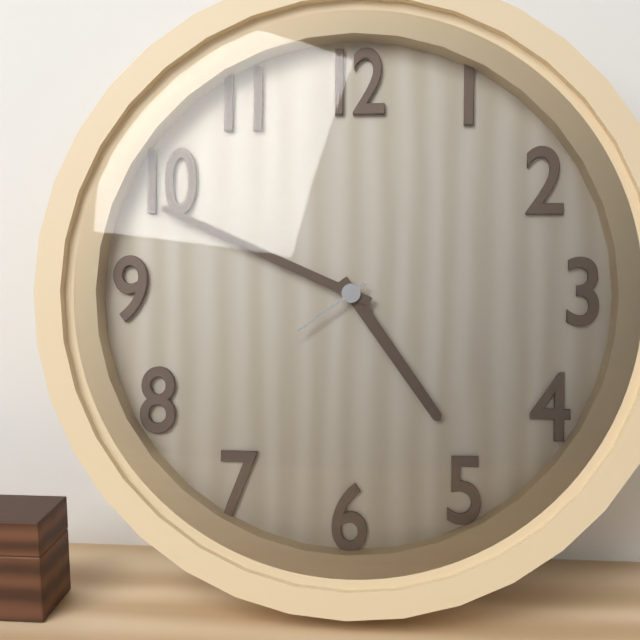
4:49:39
